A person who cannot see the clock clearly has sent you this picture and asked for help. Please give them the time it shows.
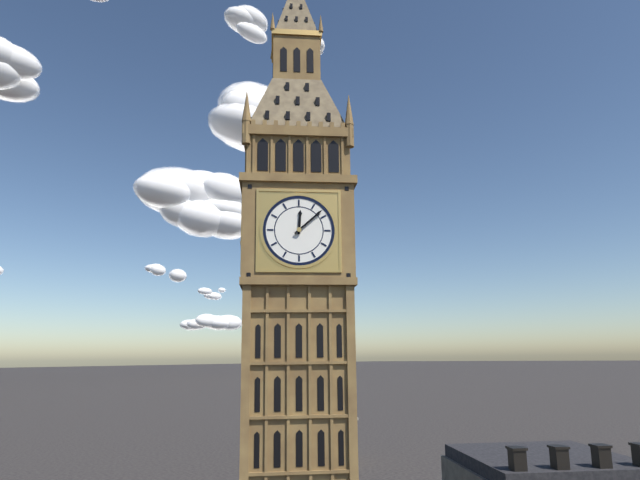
12:08
